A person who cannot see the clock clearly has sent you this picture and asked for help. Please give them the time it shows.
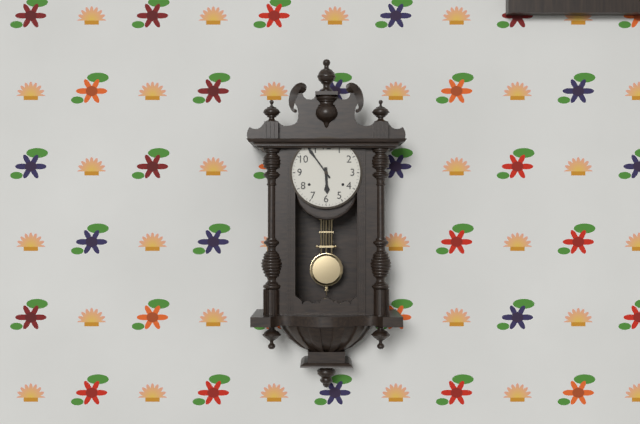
5:54
